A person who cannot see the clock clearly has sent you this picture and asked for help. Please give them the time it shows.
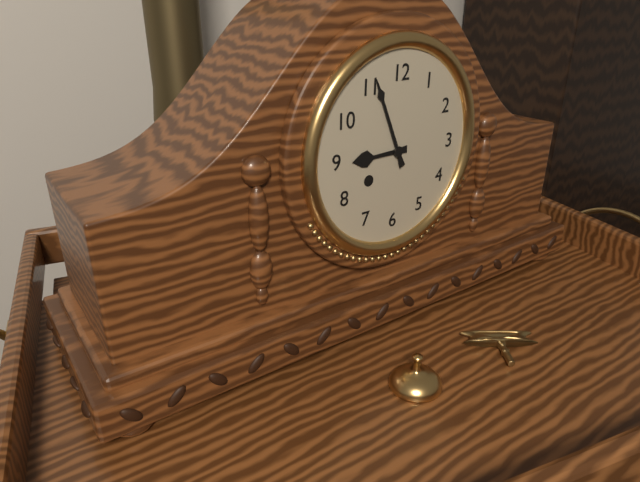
8:56
